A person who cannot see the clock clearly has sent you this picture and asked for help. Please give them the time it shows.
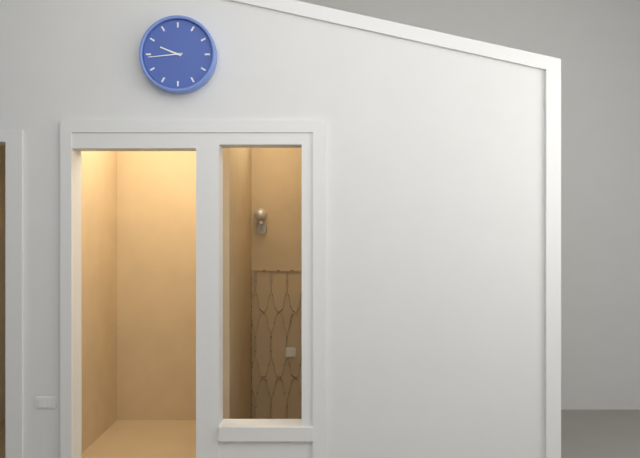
9:44
